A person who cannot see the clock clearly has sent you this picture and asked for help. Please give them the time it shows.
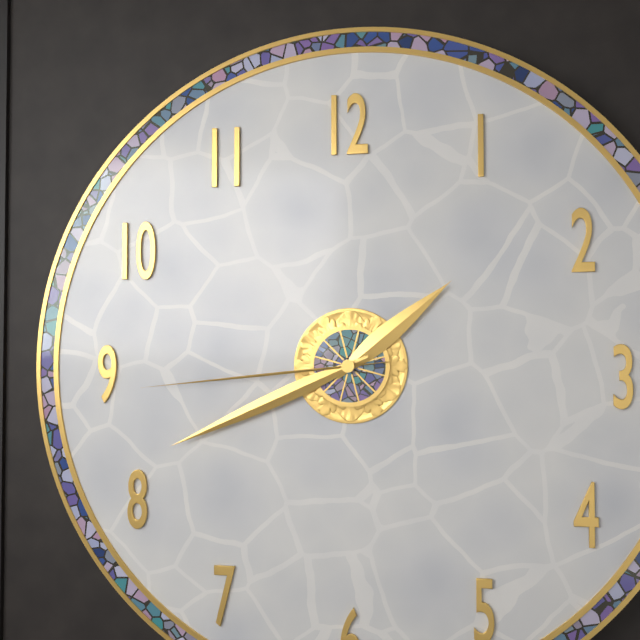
1:41:44
